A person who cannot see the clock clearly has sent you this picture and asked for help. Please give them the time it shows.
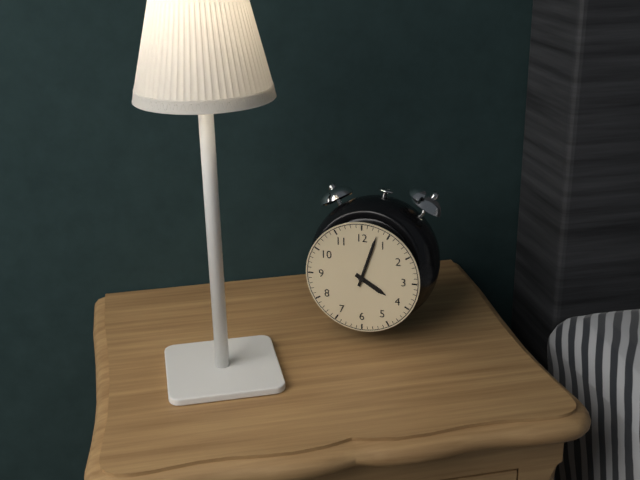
4:03
